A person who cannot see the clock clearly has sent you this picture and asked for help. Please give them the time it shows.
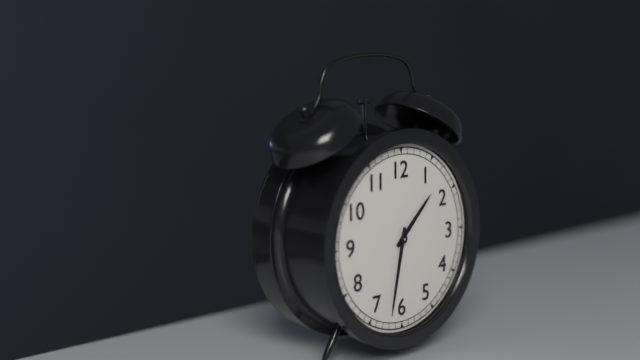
1:32
